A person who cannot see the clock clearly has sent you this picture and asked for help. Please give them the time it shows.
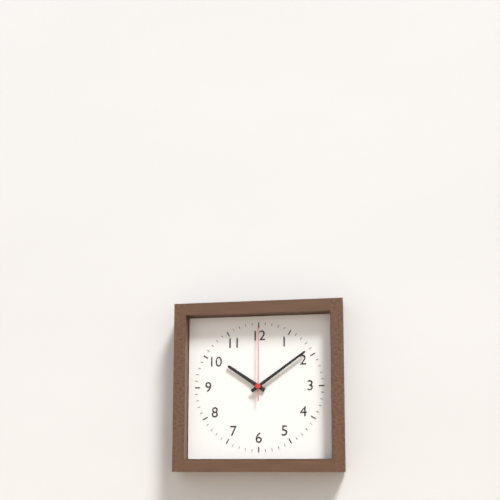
10:09:00
